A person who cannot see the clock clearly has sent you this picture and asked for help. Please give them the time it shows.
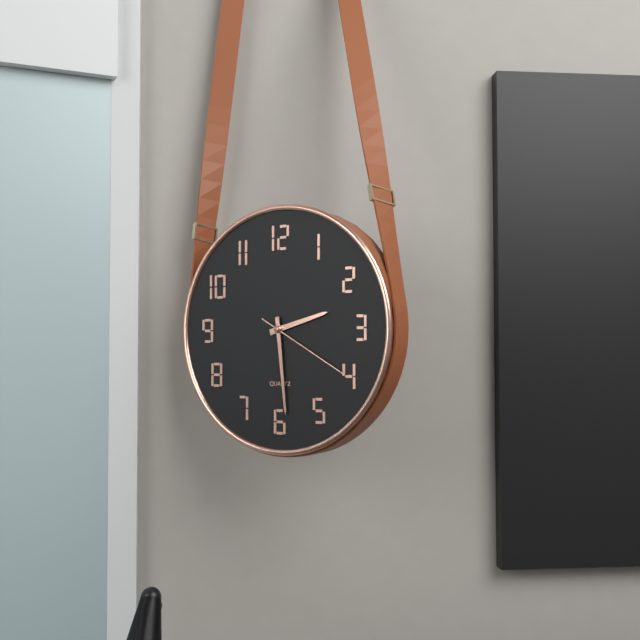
2:29:20
